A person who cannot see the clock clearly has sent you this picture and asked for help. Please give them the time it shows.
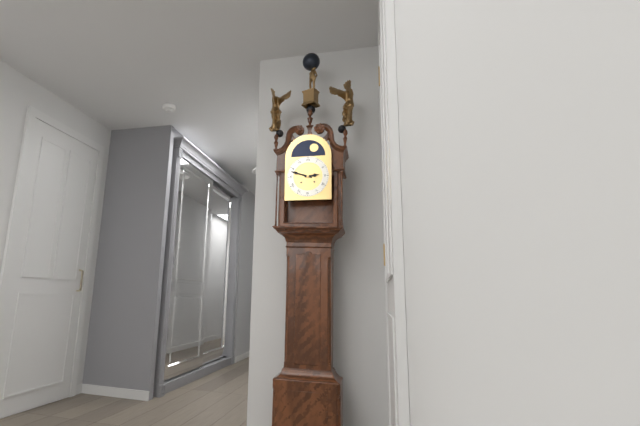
2:48
